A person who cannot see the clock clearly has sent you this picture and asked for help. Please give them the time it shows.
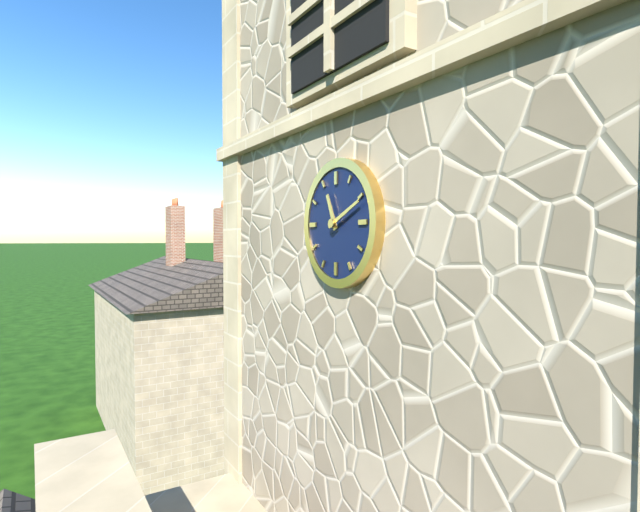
11:11
